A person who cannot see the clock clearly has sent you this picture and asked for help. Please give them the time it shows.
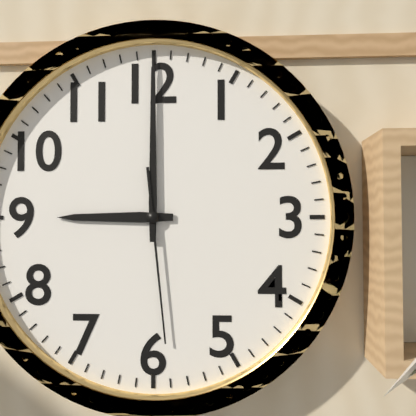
9:00:29
